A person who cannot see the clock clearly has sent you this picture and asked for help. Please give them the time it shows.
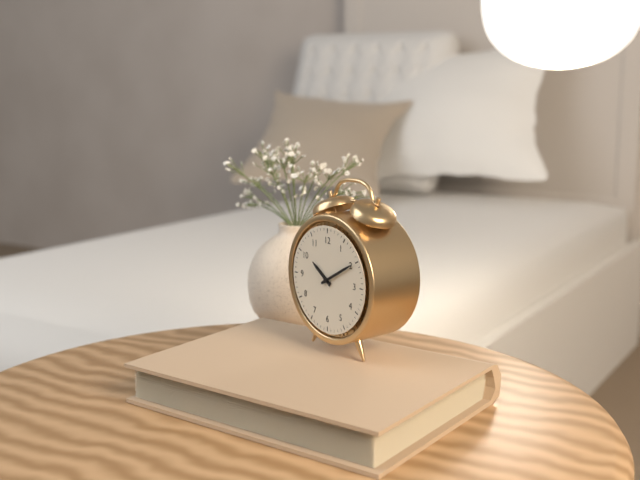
10:10
